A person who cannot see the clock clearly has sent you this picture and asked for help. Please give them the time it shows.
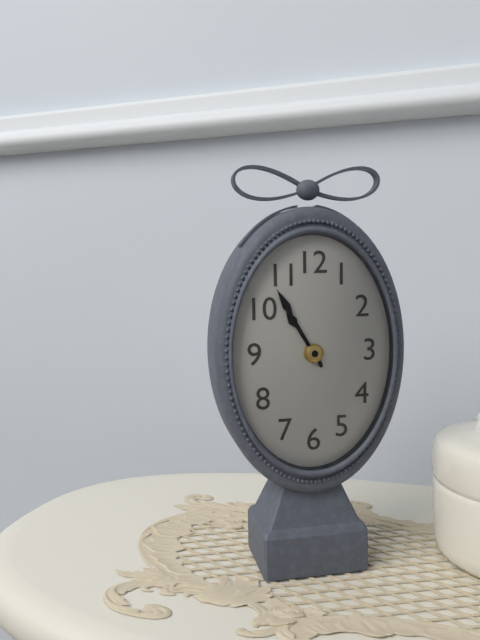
10:55
